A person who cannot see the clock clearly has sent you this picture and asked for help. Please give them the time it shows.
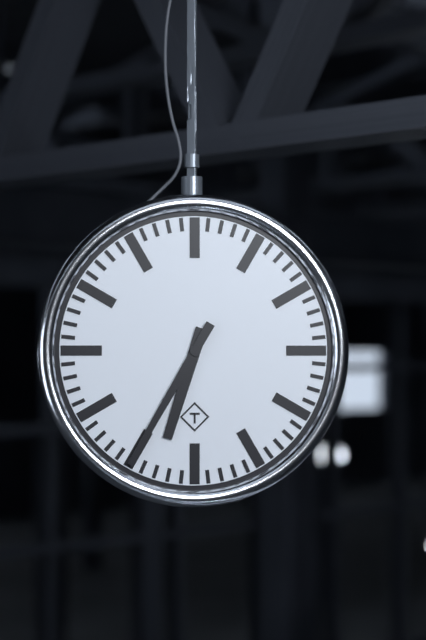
6:35
